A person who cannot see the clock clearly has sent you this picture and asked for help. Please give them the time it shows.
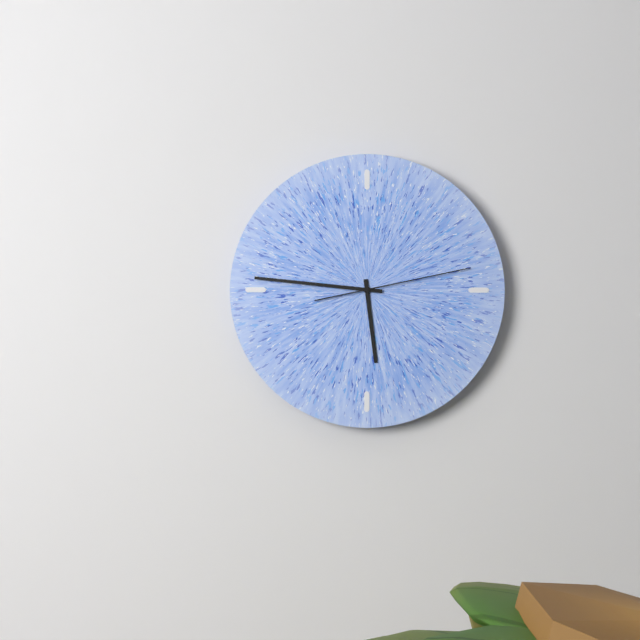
5:46:13
